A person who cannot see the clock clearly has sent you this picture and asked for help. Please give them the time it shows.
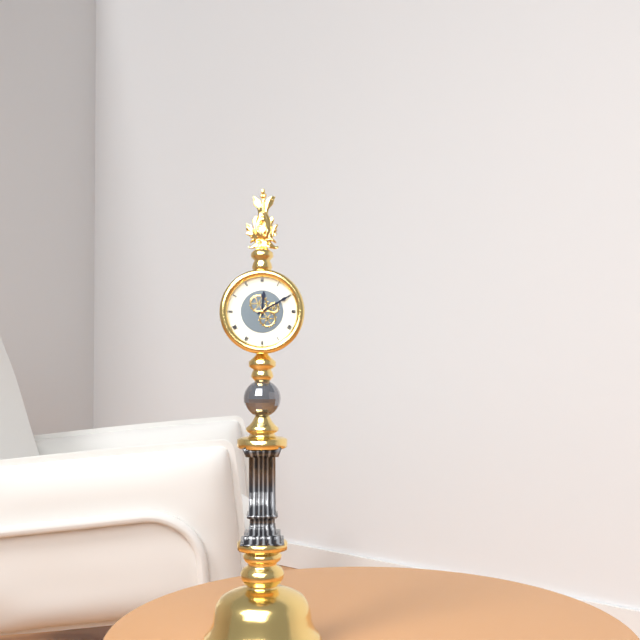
12:10
